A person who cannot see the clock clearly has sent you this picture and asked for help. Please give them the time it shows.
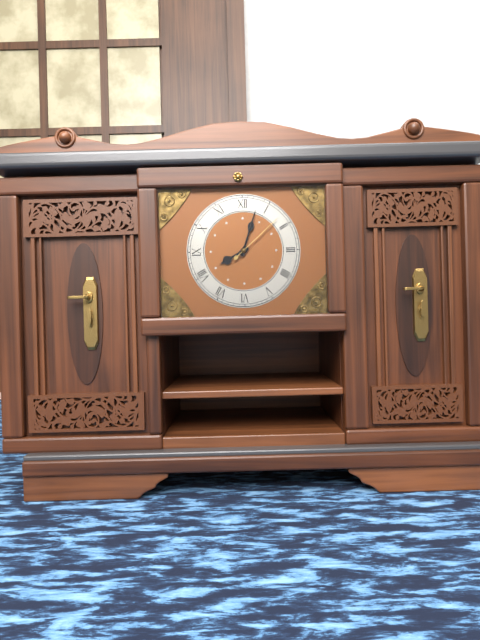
8:03:08
